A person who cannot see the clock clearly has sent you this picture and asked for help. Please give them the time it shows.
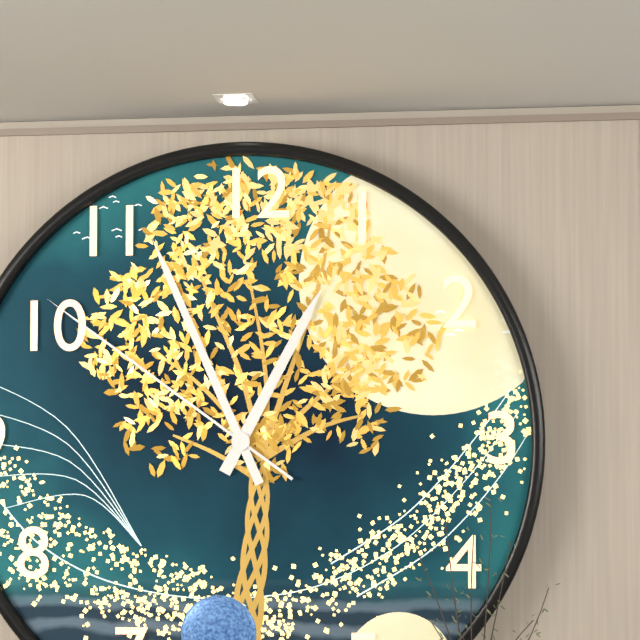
12:56:51
